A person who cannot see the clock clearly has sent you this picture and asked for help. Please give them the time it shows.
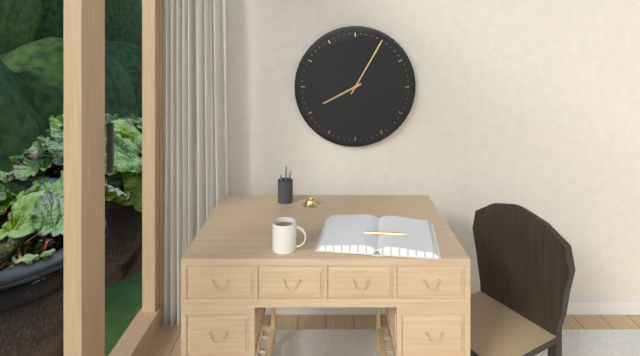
8:05
